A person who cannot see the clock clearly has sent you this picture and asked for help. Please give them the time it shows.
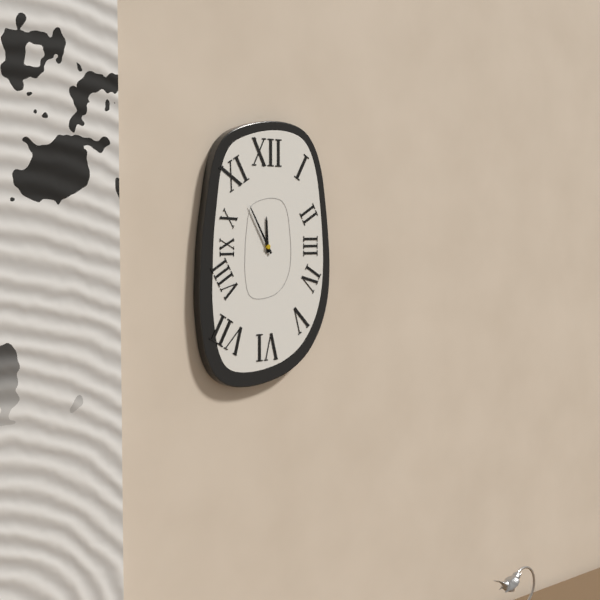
11:55
